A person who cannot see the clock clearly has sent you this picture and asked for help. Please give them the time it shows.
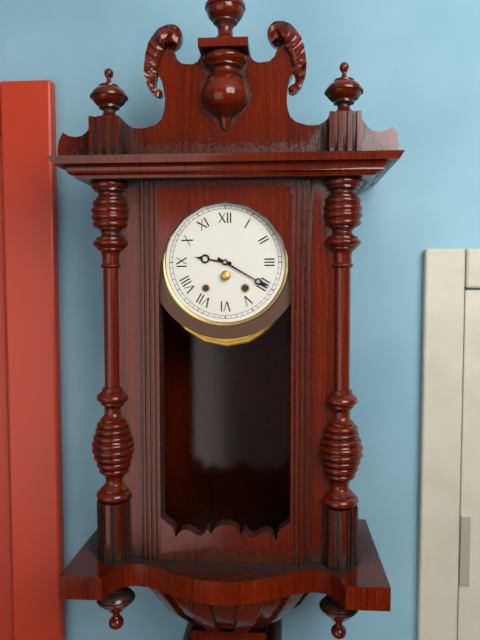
9:20
